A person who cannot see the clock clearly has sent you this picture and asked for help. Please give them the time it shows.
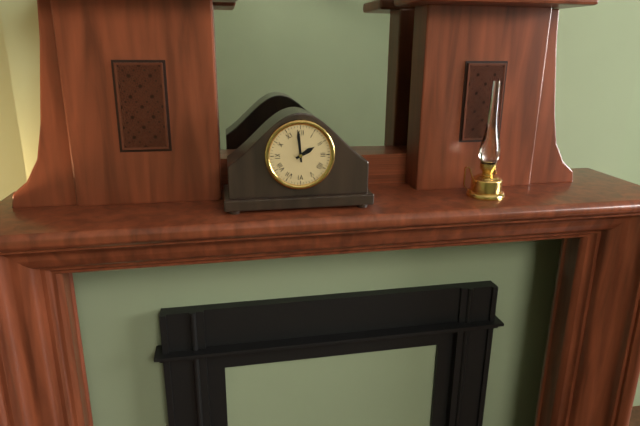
1:59
